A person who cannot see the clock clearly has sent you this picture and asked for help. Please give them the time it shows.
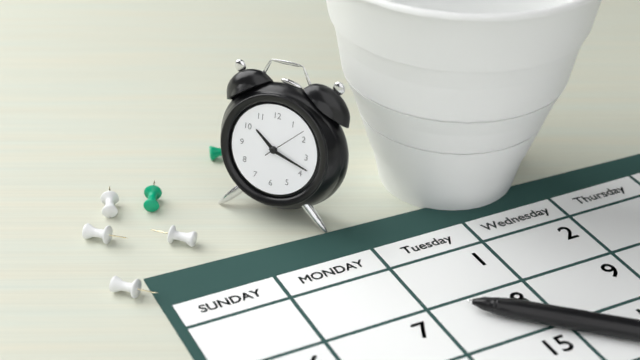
10:18
